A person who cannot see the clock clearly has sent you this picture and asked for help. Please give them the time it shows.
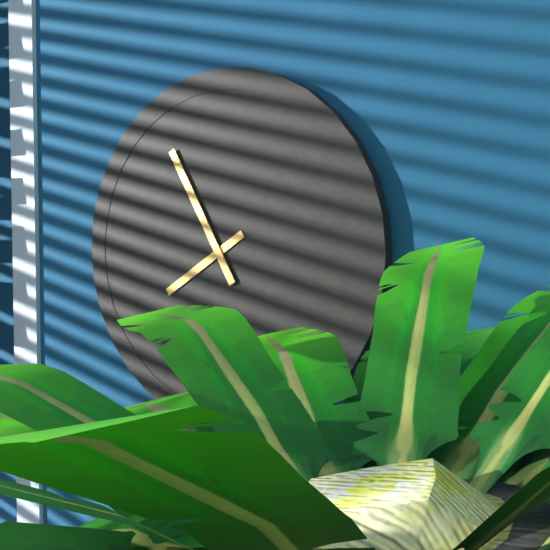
7:55
